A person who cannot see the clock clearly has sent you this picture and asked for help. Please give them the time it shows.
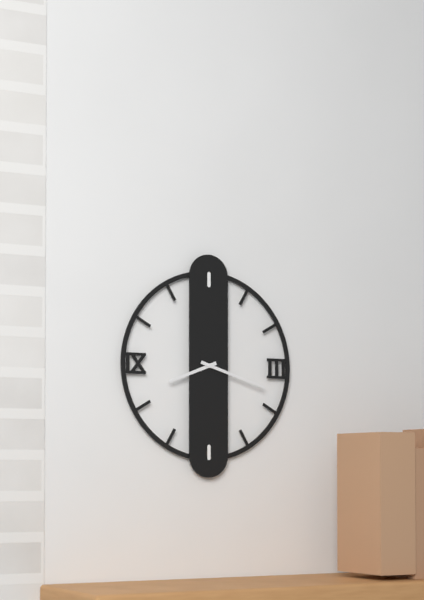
8:18
